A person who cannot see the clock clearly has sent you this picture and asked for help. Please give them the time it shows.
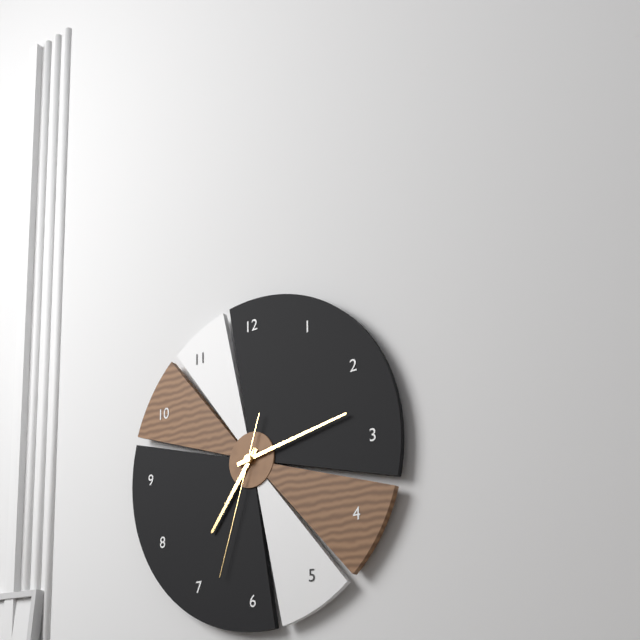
7:13:33
